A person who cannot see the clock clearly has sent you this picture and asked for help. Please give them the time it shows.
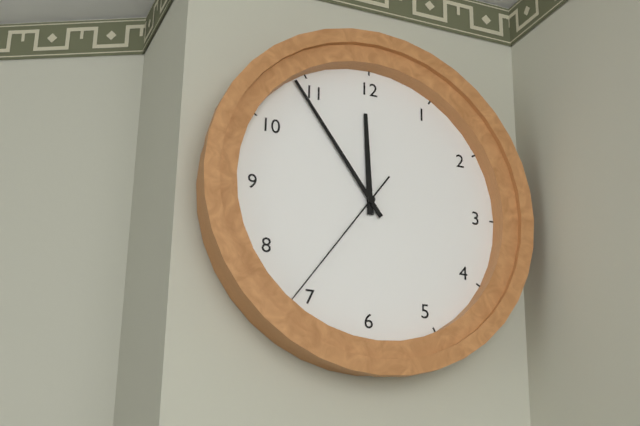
11:54:36
